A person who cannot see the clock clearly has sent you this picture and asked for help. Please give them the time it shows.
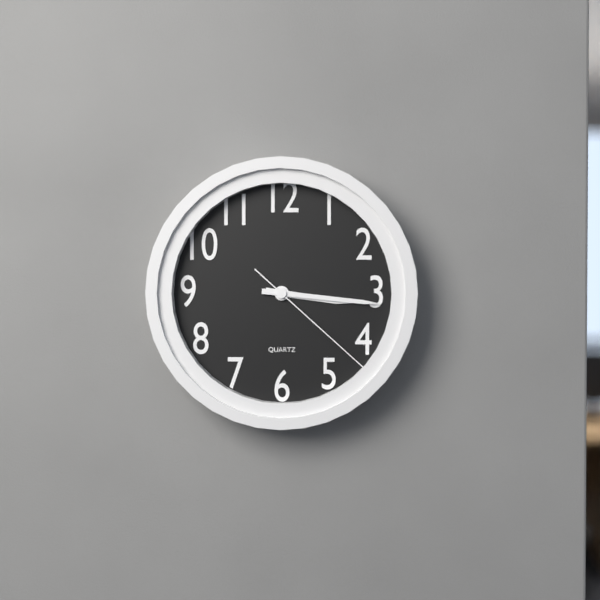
3:16:22
